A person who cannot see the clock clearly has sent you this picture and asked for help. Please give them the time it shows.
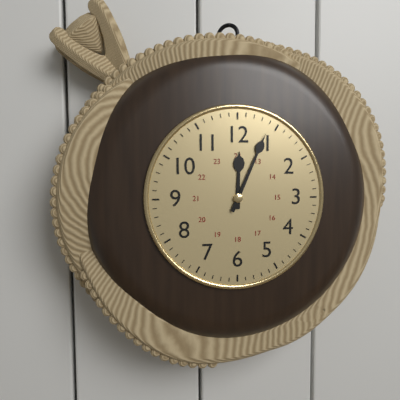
12:04
